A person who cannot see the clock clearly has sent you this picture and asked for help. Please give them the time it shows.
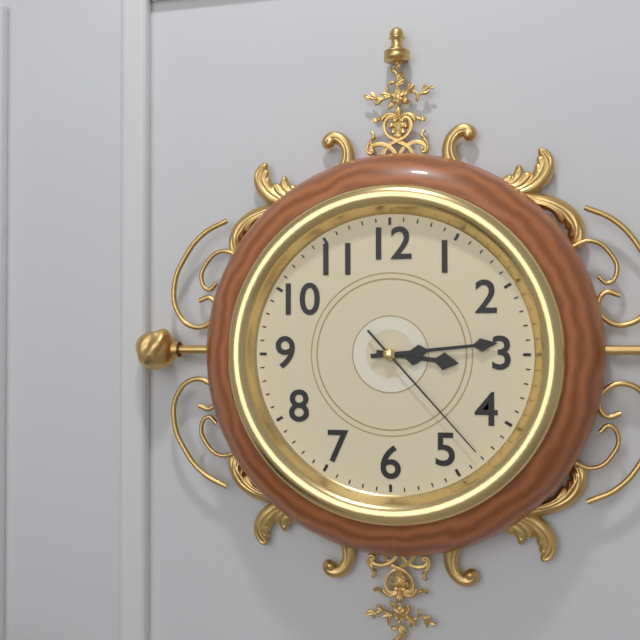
3:14:23
